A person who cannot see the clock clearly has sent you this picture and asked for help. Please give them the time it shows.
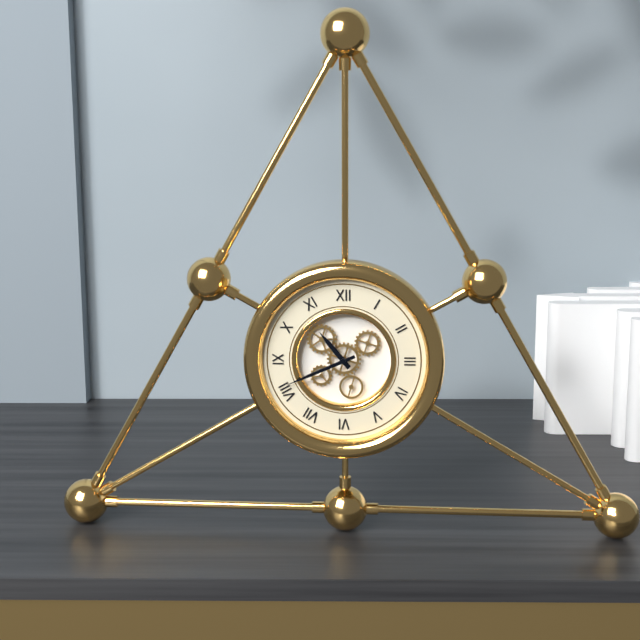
10:41
